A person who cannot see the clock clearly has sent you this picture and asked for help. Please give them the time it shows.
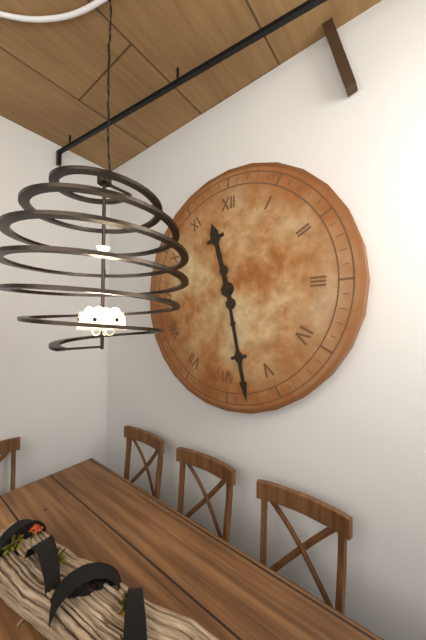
11:28
